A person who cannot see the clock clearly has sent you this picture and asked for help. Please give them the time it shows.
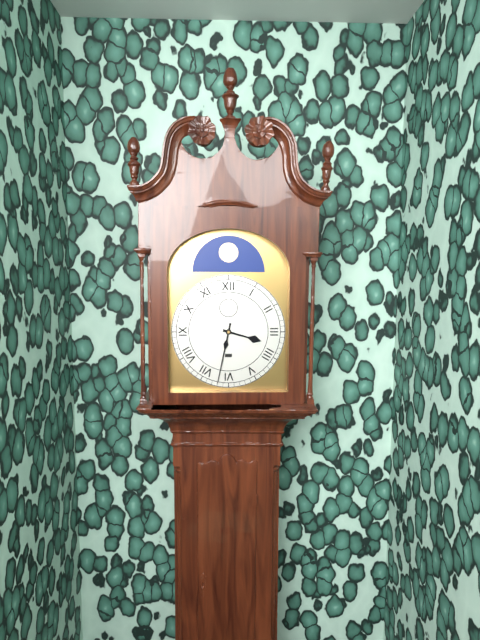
3:32
